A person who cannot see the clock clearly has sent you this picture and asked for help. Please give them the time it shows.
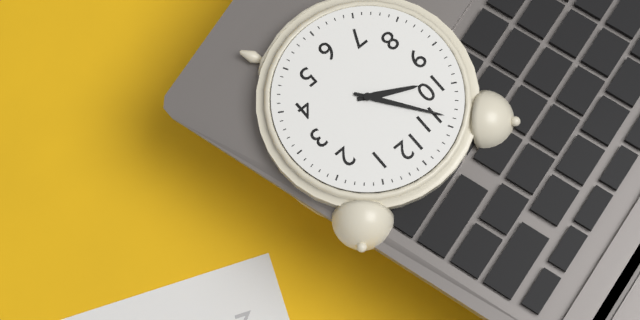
9:54
